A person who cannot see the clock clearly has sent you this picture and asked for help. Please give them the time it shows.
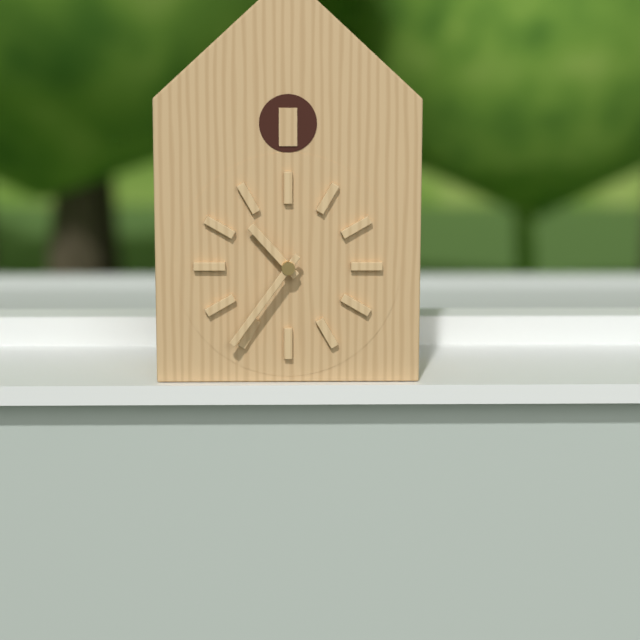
10:36
